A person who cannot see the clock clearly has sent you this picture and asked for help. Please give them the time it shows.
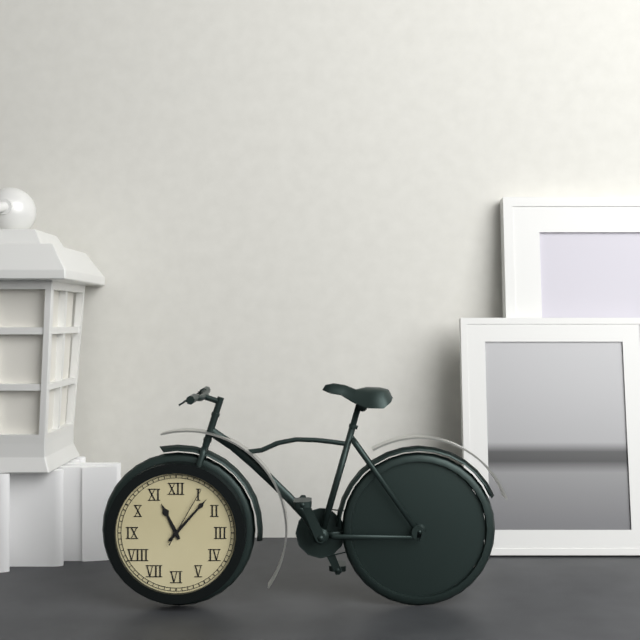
11:07:05
